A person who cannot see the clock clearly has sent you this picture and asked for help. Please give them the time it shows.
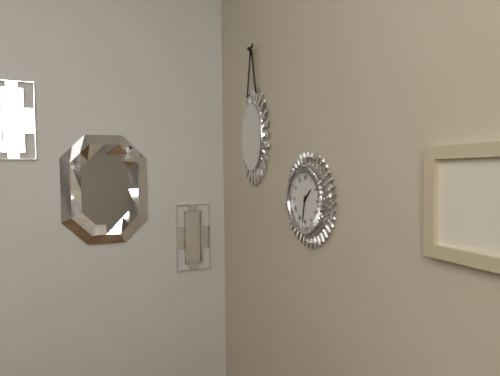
1:32
